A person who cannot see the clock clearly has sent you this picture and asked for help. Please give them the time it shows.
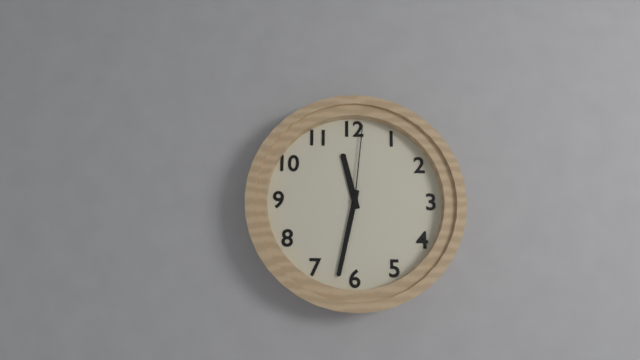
11:32:01
